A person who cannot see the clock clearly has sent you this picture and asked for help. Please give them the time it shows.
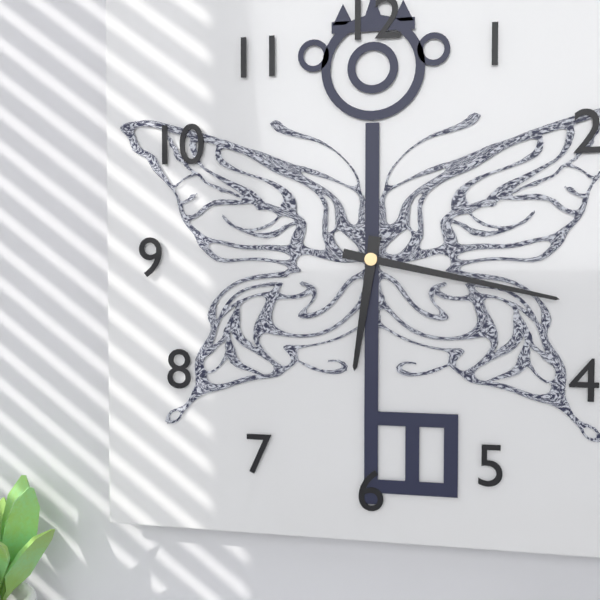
6:17
